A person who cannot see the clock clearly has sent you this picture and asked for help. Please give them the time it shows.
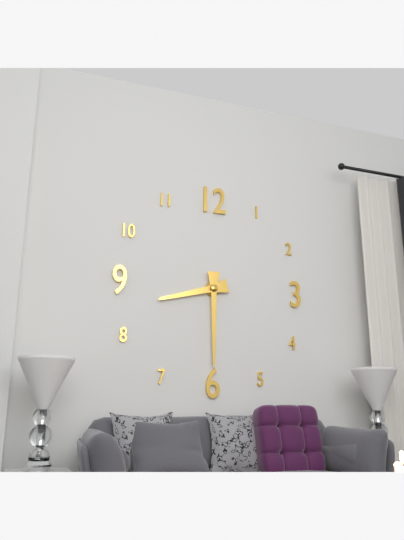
8:30
